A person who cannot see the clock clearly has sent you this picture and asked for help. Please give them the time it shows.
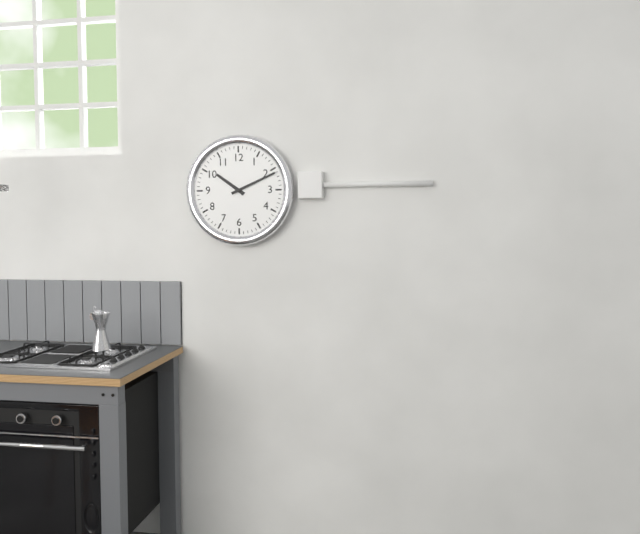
10:11
